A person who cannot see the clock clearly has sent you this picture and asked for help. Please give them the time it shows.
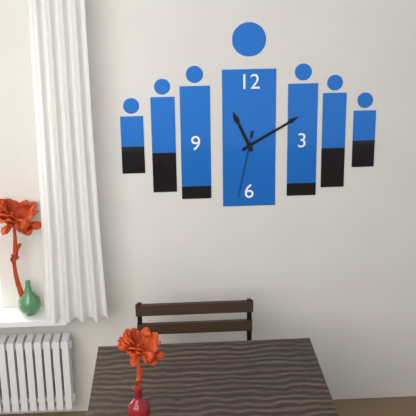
11:10:32
